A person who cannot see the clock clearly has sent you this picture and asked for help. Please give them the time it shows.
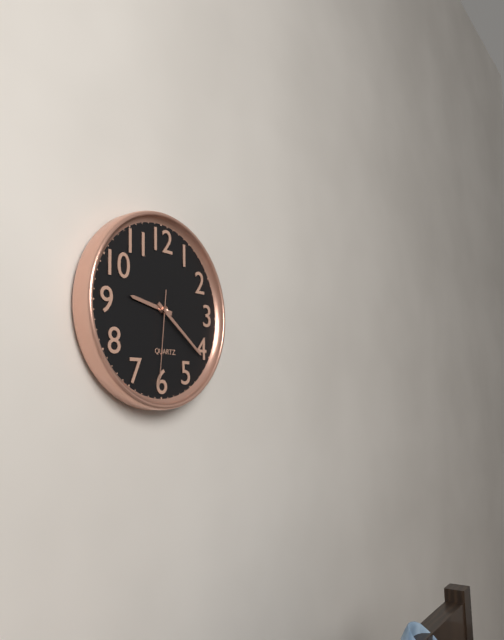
9:21:31
